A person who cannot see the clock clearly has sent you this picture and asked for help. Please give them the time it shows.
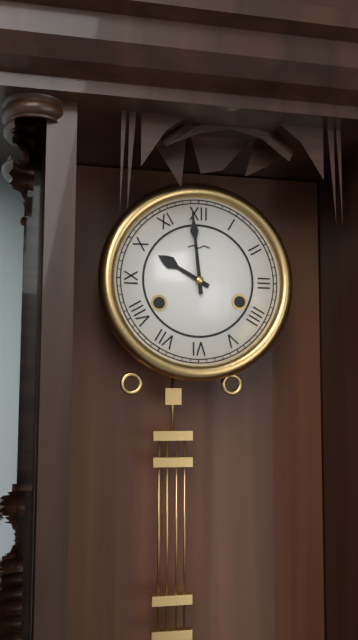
9:59
